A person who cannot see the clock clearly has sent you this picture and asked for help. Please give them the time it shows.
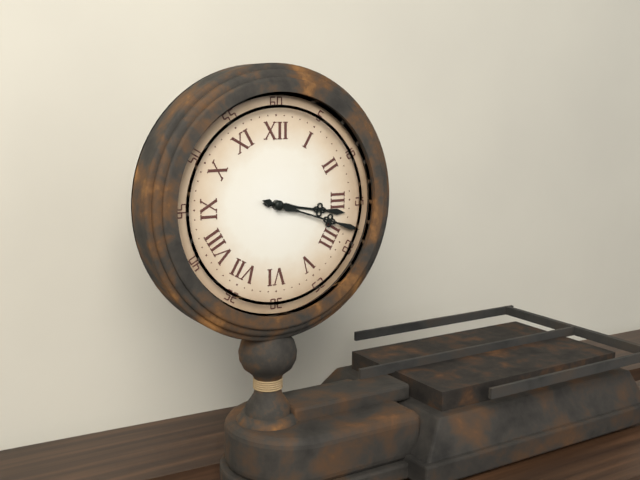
3:18
